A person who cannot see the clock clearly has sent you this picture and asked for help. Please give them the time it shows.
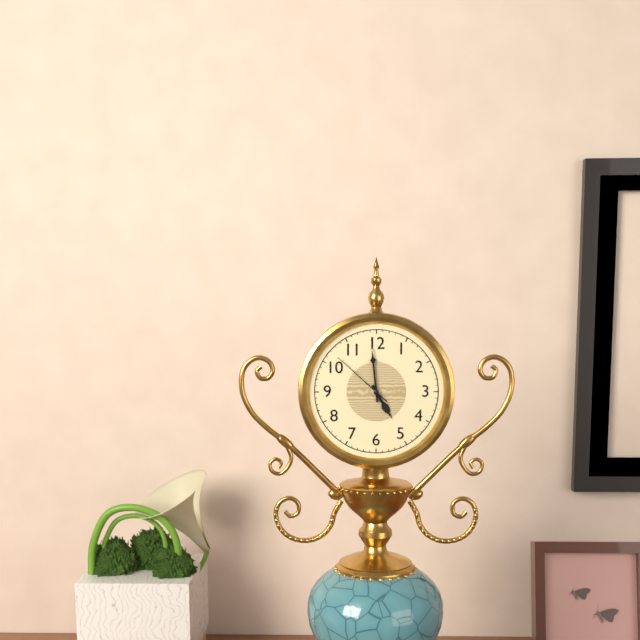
4:59:52
